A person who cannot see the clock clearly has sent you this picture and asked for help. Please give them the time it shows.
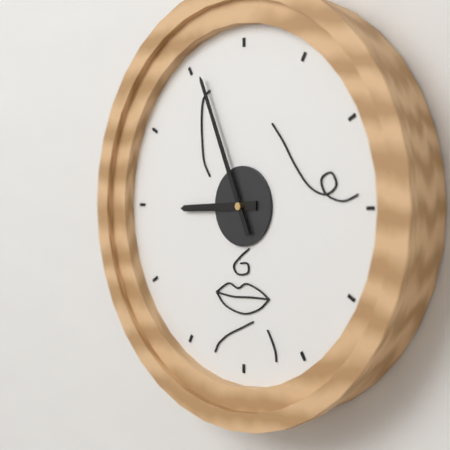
8:56
